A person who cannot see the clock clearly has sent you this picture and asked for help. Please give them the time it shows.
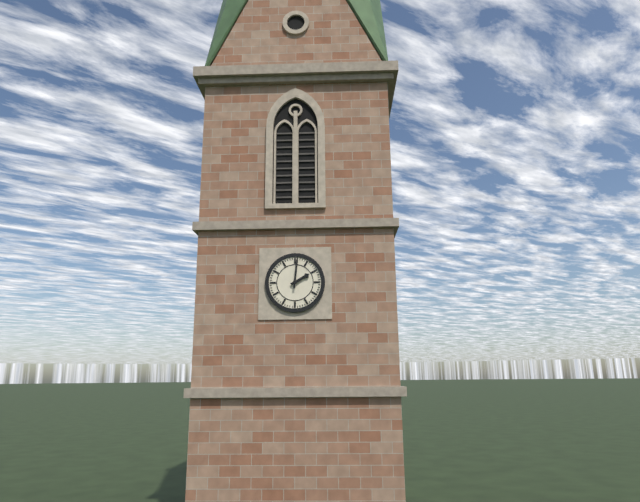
2:01
